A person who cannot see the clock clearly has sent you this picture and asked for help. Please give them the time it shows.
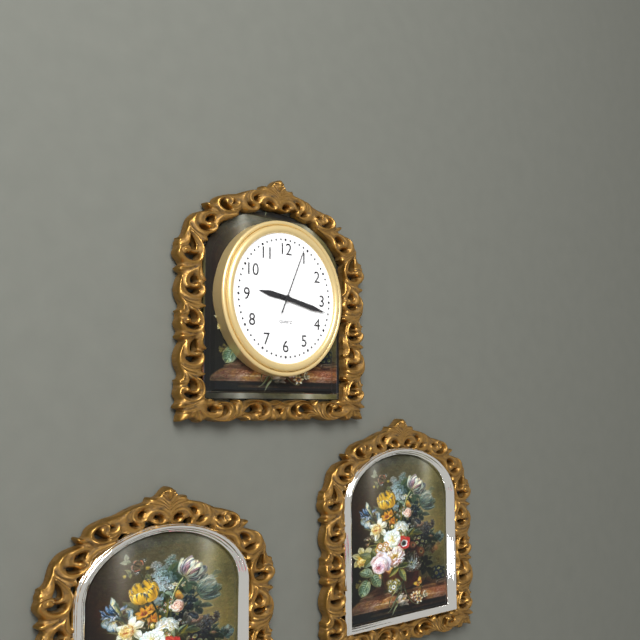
9:17:04
